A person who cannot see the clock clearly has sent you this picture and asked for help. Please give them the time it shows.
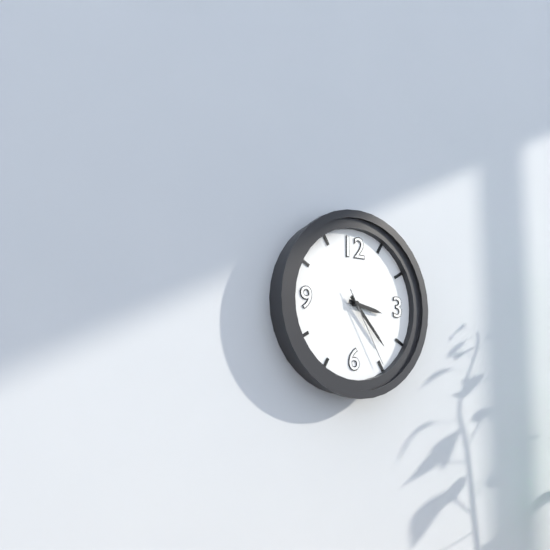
3:23:25
